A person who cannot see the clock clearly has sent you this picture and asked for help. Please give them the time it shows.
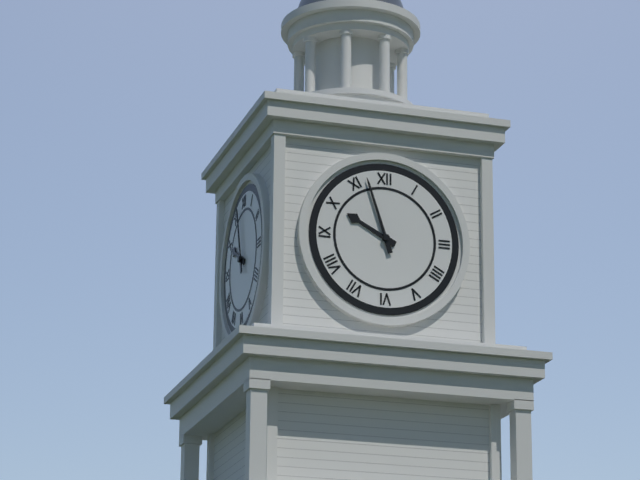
9:57
